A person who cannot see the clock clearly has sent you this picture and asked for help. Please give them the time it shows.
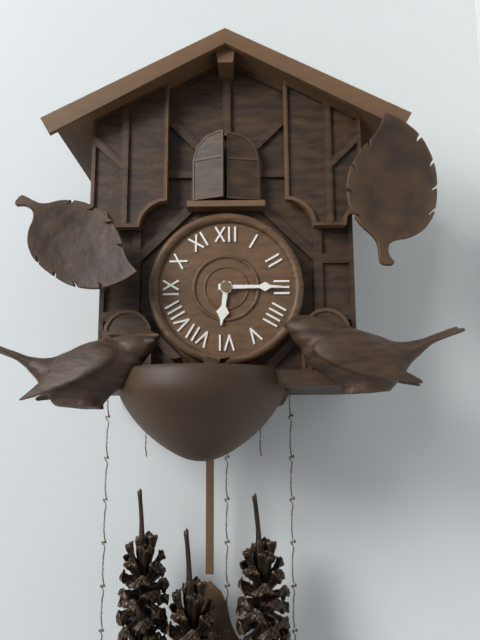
6:15
